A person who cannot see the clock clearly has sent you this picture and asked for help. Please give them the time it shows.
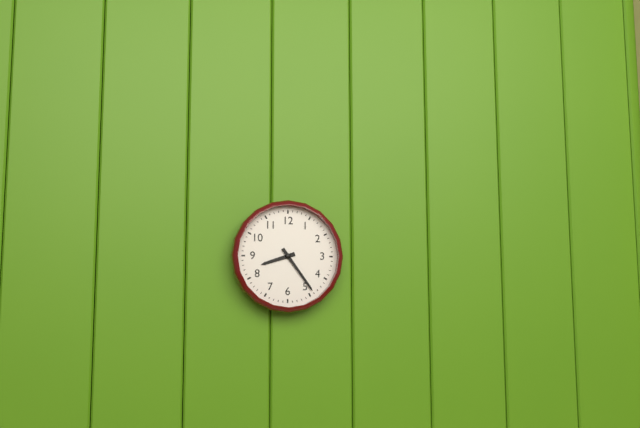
8:24
